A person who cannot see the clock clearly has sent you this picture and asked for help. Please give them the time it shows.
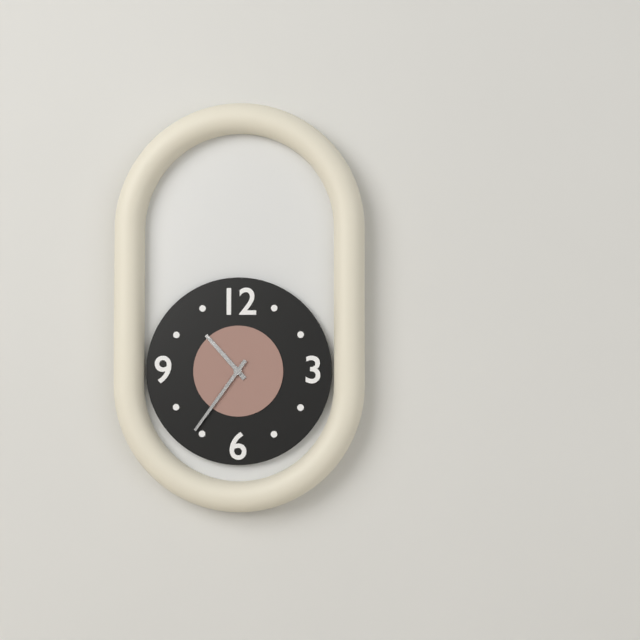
10:36
